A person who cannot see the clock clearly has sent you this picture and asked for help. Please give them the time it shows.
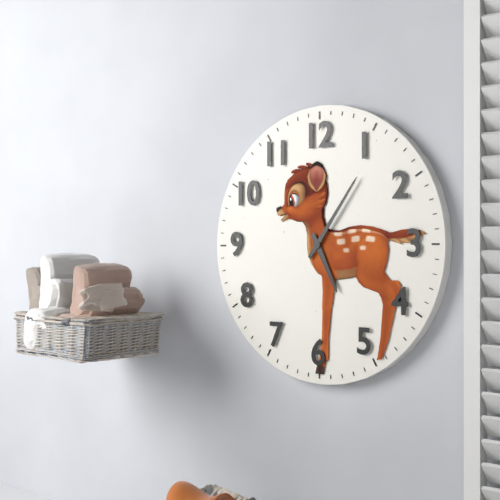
5:06
